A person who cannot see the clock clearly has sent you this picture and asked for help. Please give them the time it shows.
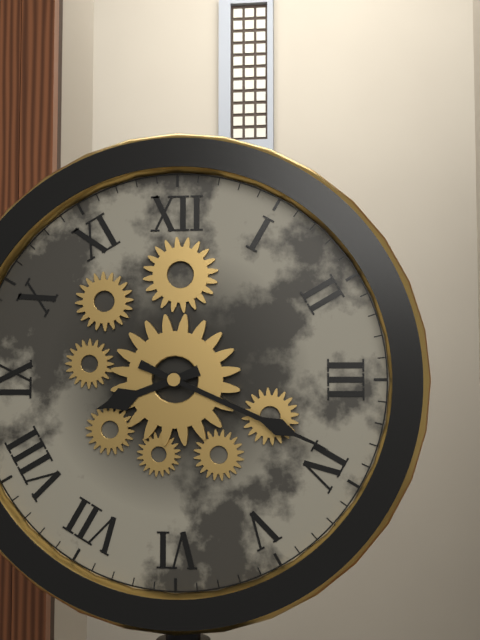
8:19
